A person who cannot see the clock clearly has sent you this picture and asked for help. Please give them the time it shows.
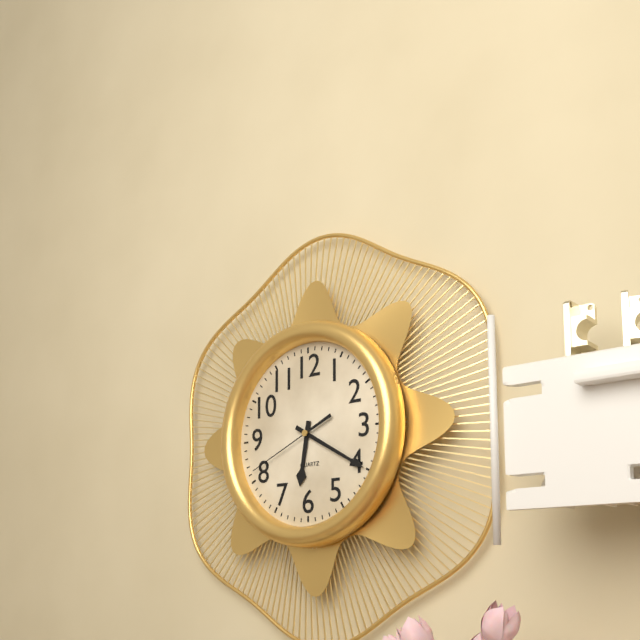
6:20:41
